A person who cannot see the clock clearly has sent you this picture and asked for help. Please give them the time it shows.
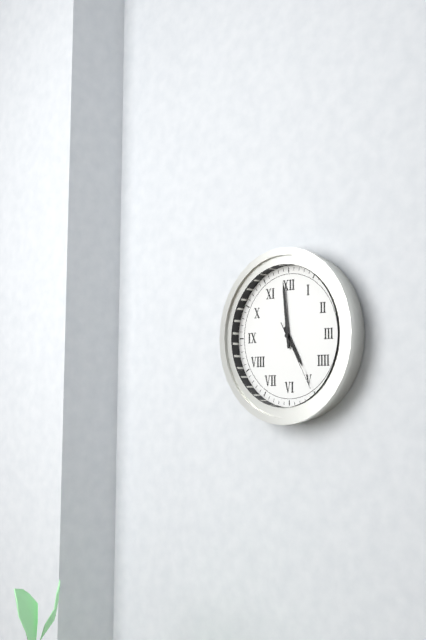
4:59:25
